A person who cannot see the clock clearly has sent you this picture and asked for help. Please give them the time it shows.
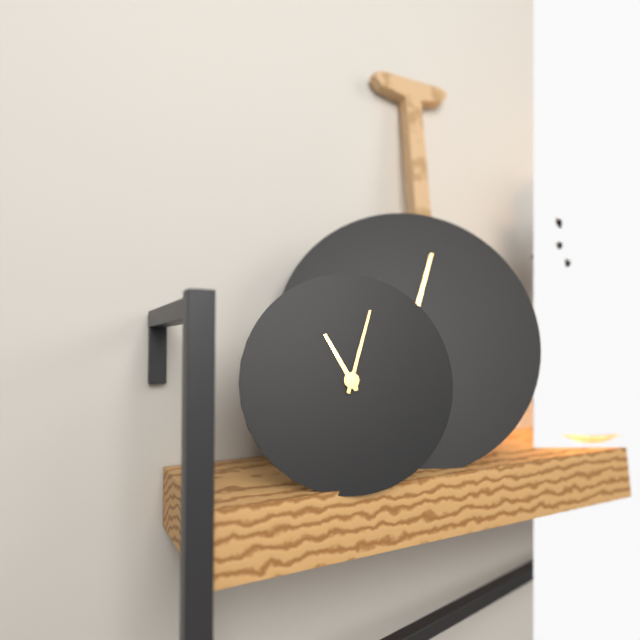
11:03
